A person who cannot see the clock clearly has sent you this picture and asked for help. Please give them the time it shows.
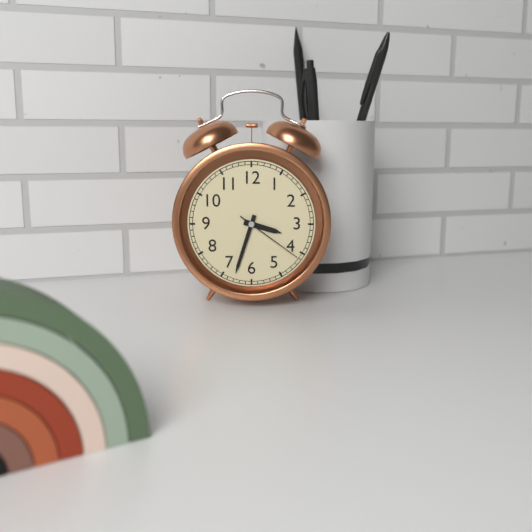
3:33:21
